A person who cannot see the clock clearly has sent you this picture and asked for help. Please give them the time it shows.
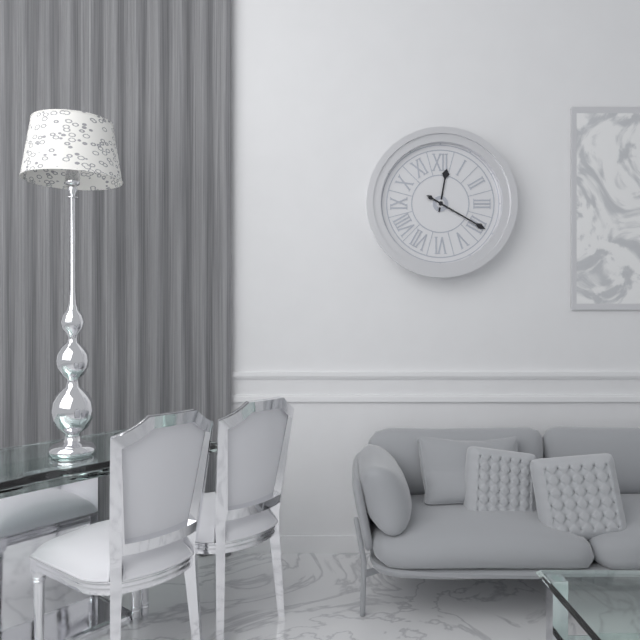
12:20
